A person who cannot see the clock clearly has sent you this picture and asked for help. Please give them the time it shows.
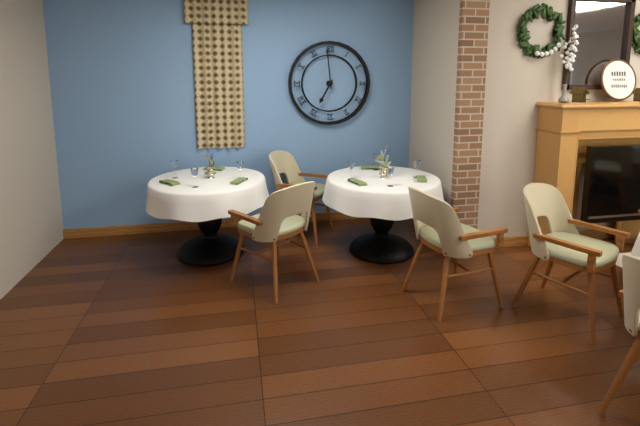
6:59
